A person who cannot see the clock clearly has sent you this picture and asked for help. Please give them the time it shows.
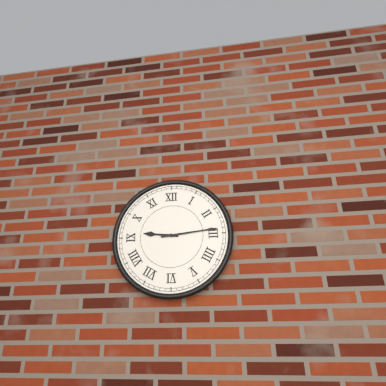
9:14
